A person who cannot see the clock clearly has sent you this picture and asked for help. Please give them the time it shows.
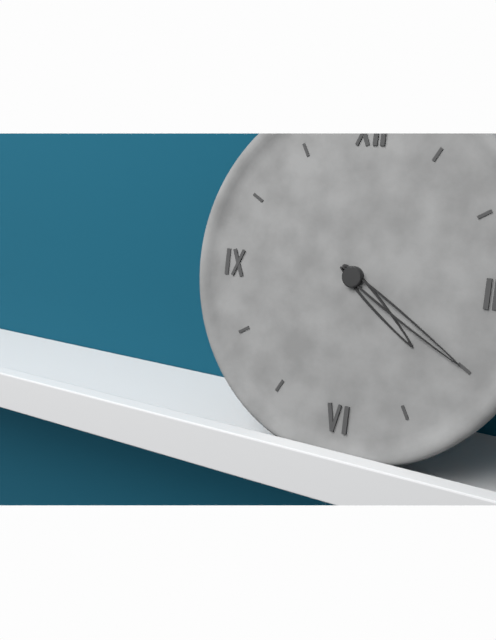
4:20
